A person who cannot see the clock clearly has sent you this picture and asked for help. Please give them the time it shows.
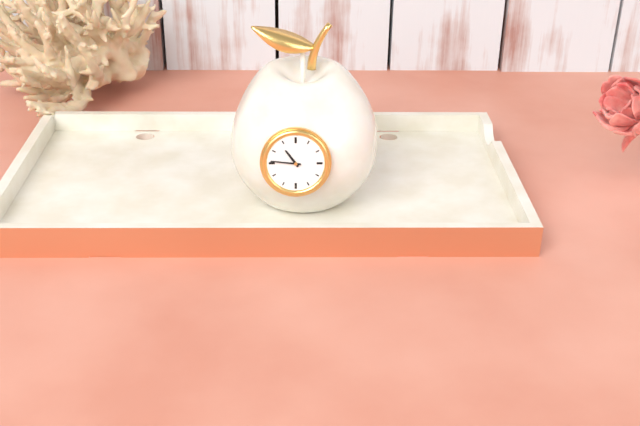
10:46
